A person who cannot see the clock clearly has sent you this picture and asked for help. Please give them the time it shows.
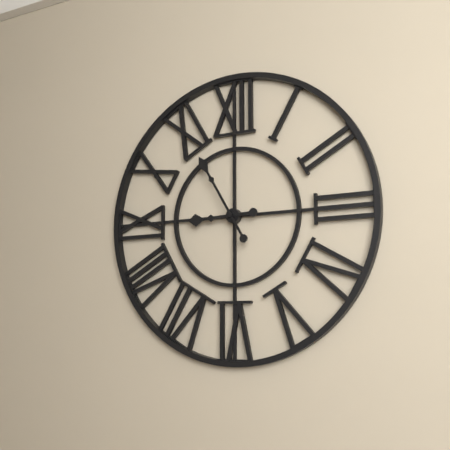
8:55
